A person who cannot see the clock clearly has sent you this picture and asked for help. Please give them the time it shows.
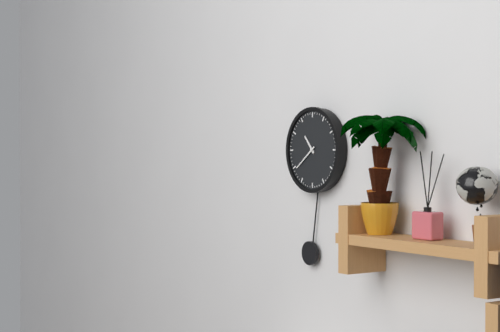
10:39
